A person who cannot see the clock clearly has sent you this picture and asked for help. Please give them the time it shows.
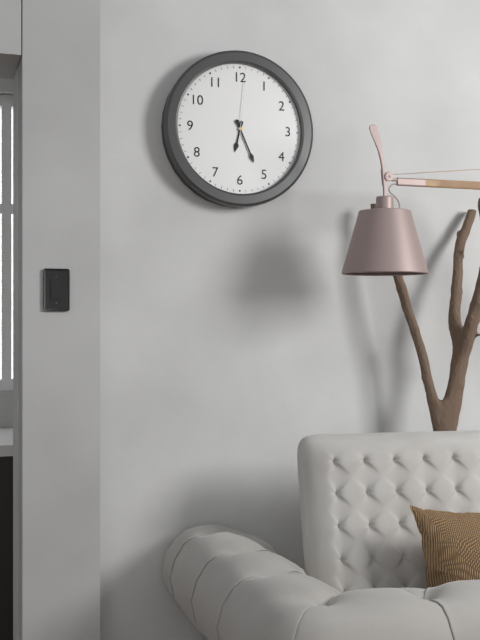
6:26:01
